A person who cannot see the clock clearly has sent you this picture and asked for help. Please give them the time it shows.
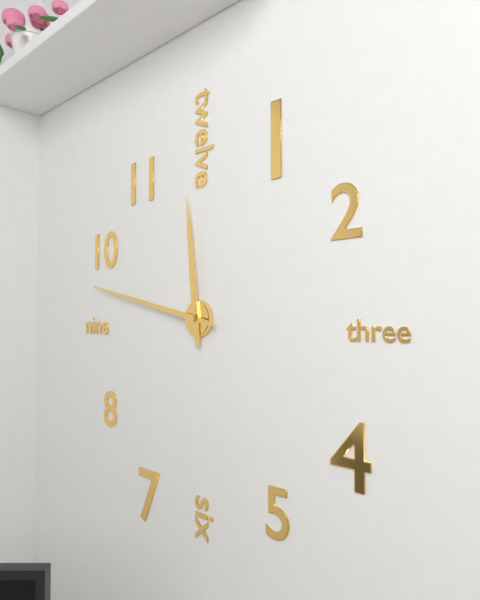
11:47
